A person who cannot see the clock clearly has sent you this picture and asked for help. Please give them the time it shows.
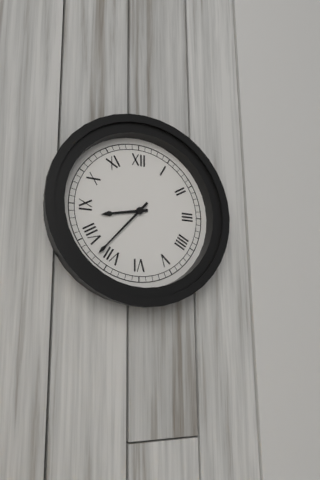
8:37
